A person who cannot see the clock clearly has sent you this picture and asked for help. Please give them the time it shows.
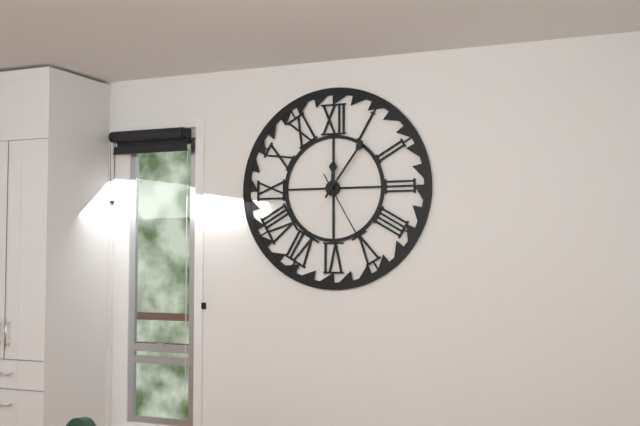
12:06:25
